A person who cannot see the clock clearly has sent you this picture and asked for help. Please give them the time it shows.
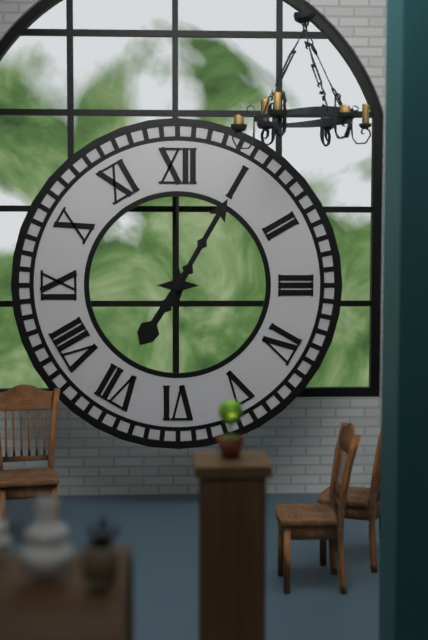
7:05
